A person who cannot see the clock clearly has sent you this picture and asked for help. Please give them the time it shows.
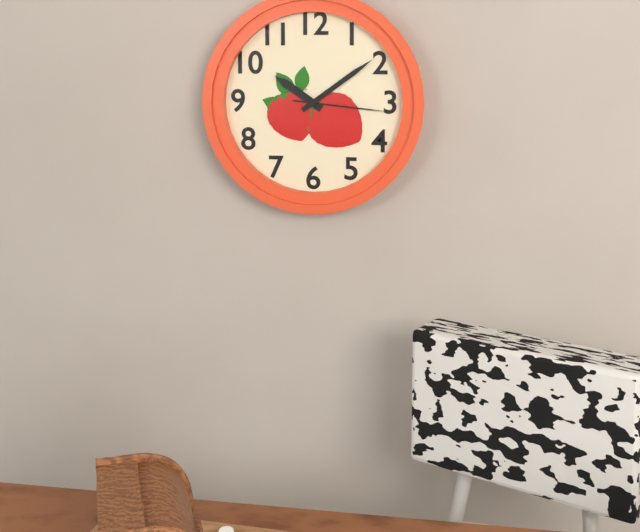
10:09:16
